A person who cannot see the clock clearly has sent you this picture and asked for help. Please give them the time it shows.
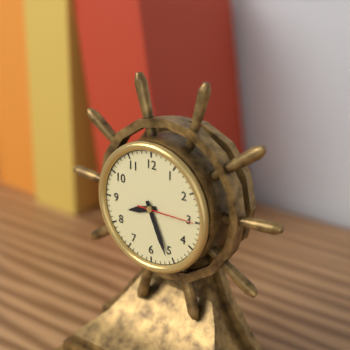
8:26:15
